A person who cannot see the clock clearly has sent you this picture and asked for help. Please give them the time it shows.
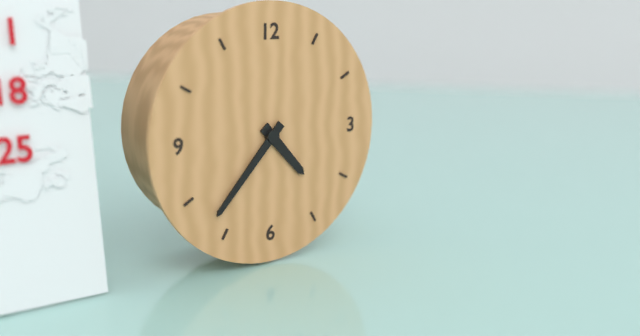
4:37
